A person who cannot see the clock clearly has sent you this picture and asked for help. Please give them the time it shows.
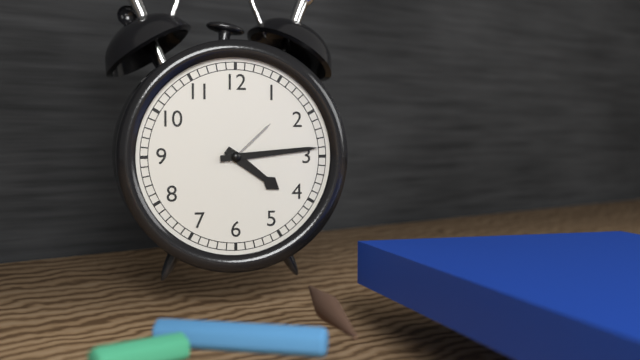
4:14
